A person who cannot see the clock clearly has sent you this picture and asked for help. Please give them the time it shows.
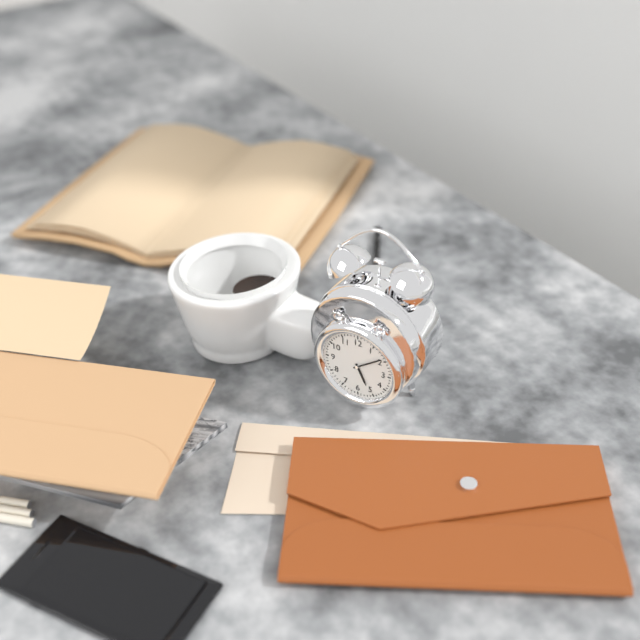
5:09
